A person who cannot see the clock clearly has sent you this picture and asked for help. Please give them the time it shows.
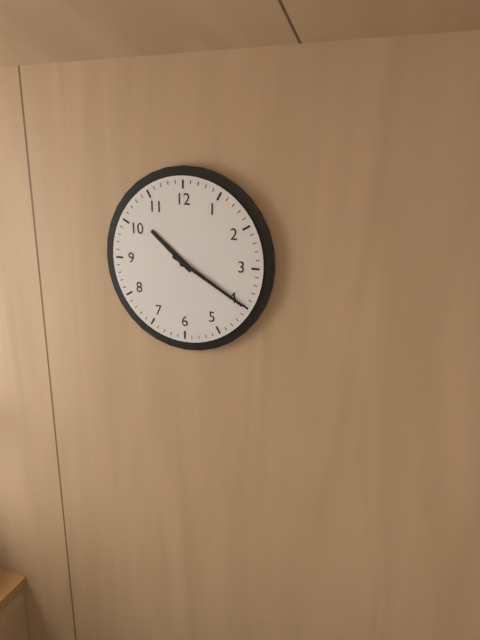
10:20
